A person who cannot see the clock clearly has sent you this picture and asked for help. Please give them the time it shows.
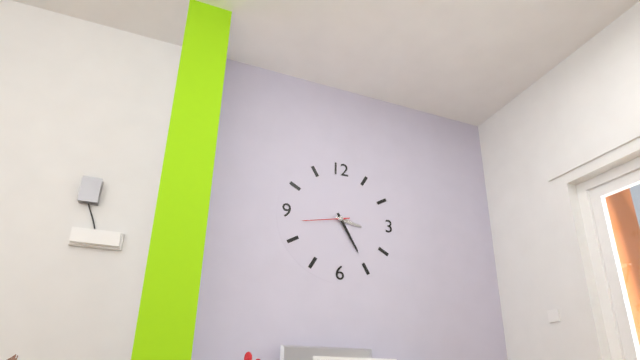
3:25:43
